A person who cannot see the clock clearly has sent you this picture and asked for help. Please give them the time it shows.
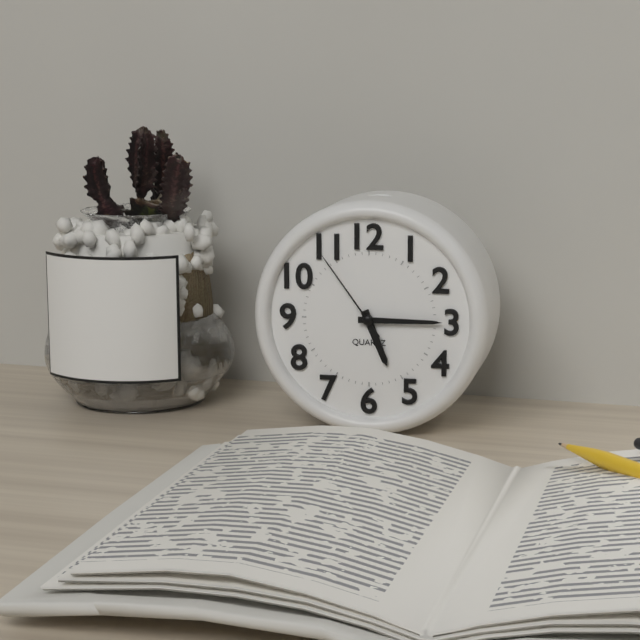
5:15:54
